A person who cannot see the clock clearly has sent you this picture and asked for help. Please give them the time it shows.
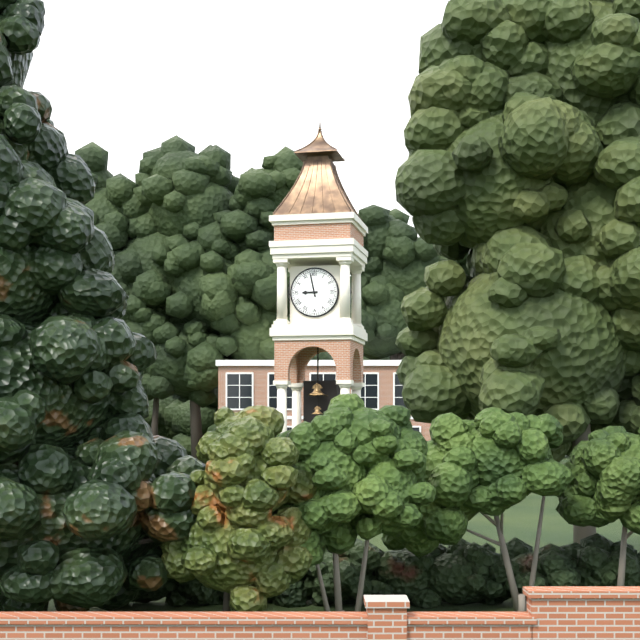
8:58
